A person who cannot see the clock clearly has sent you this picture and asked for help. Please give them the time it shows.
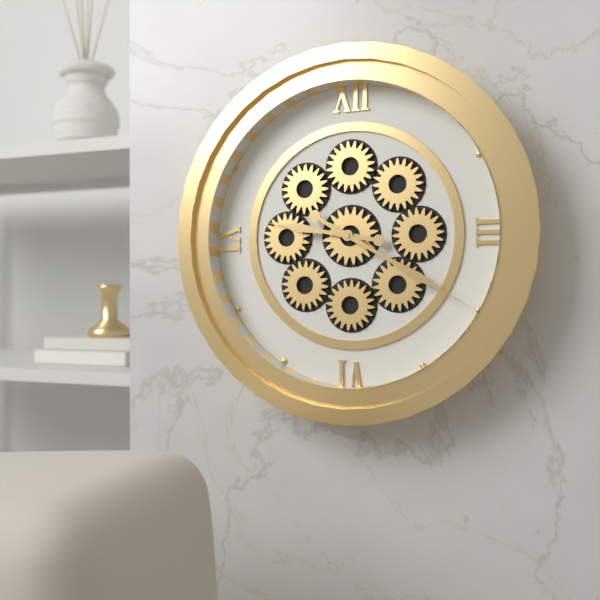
9:20
